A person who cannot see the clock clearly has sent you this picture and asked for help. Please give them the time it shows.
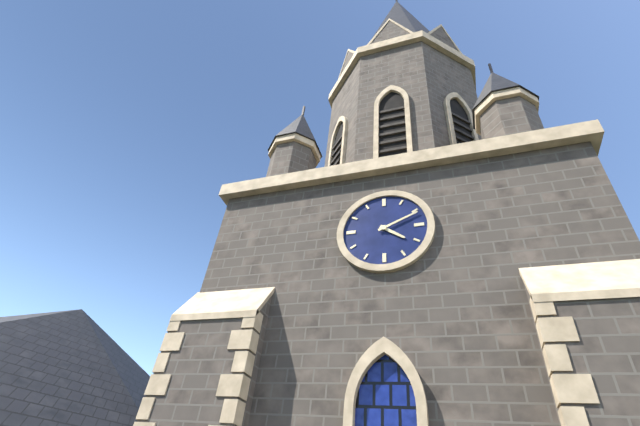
4:11
